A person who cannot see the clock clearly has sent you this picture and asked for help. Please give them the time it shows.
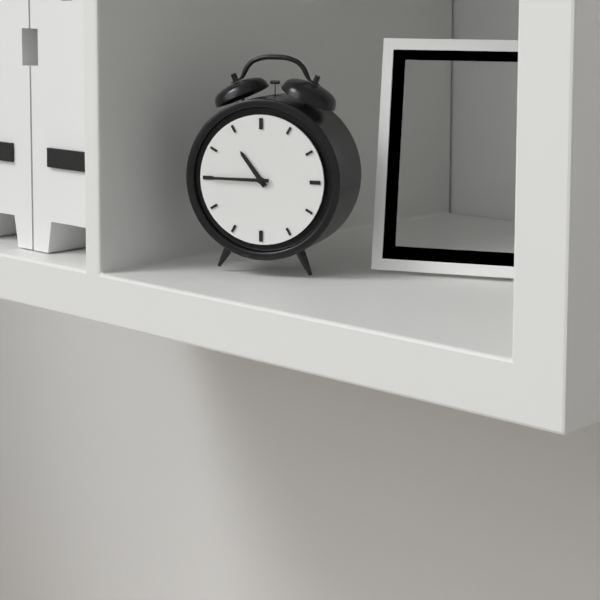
10:45
